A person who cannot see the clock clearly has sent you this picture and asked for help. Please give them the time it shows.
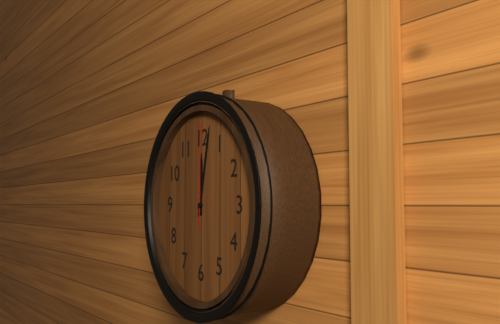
12:02:00
